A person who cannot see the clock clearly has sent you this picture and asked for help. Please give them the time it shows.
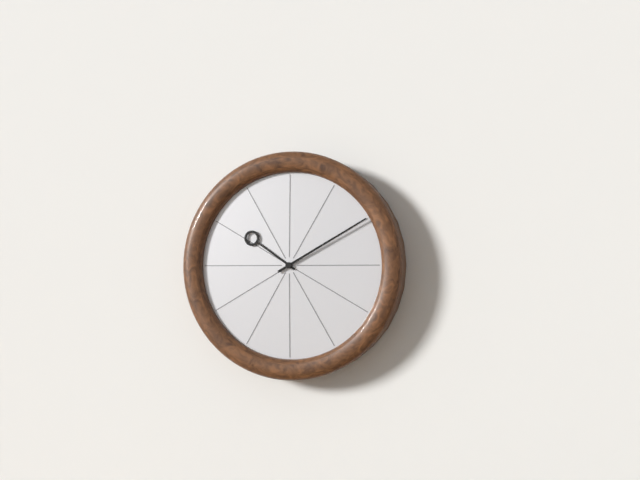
10:10
